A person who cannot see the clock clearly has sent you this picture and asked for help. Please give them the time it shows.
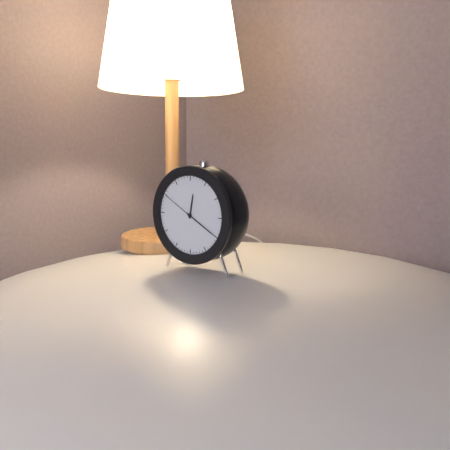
12:20
